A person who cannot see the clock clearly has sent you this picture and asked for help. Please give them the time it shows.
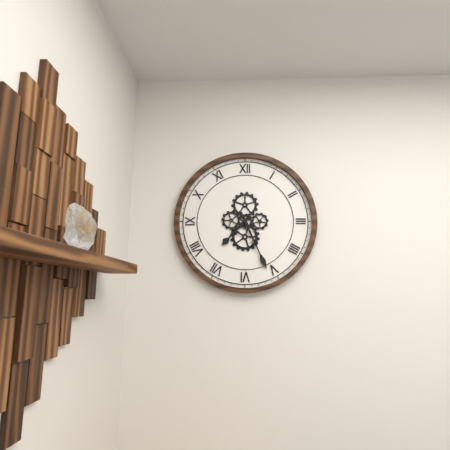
7:26
